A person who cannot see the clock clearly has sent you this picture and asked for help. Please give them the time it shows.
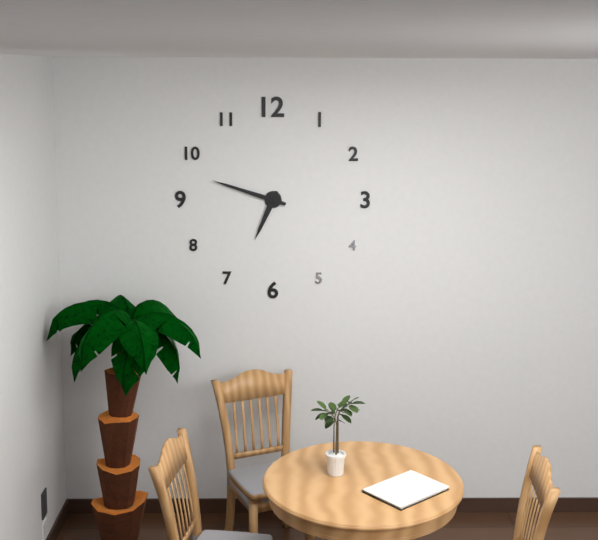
6:48
